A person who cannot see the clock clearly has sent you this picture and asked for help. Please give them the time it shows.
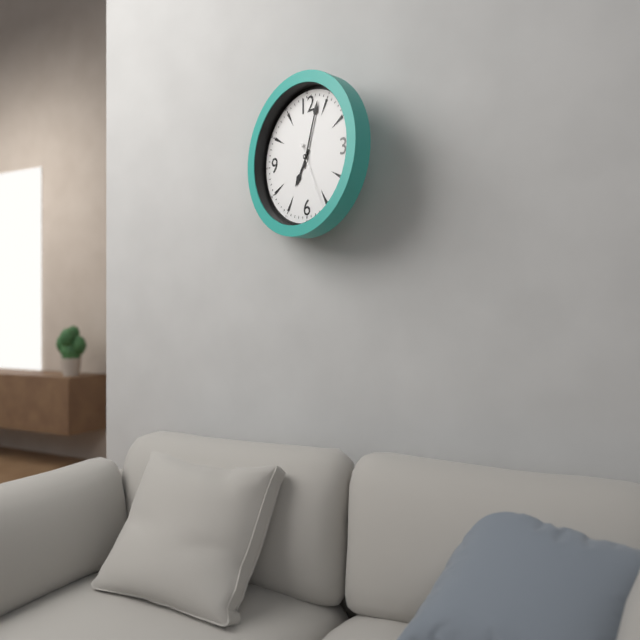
7:03:26
